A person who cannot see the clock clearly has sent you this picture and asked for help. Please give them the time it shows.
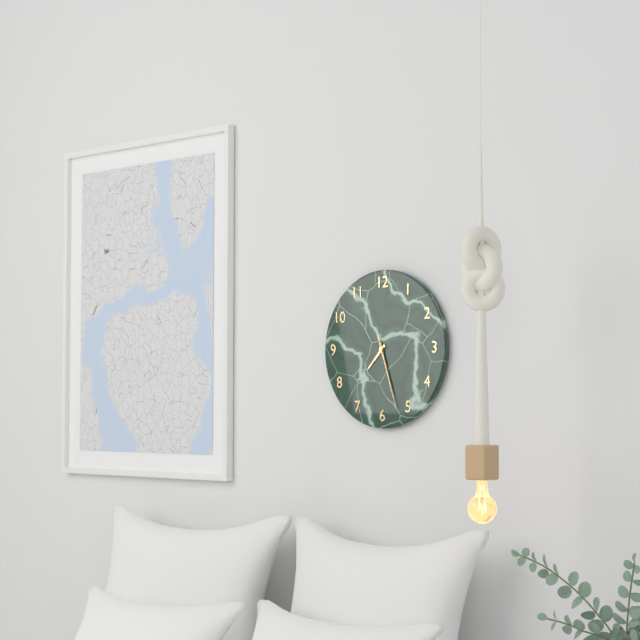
7:27:27
